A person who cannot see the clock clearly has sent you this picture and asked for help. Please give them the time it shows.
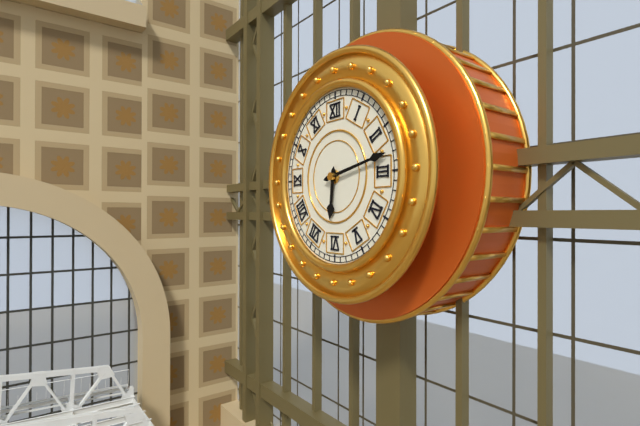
6:13
